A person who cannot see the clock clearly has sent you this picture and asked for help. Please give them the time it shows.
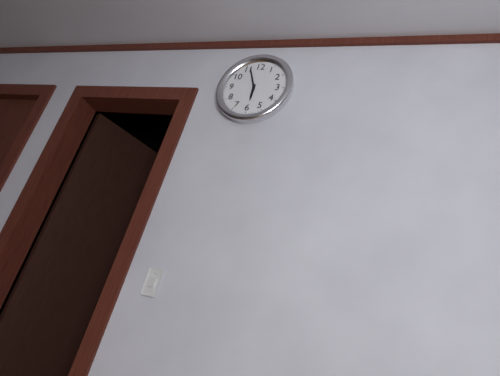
5:56
